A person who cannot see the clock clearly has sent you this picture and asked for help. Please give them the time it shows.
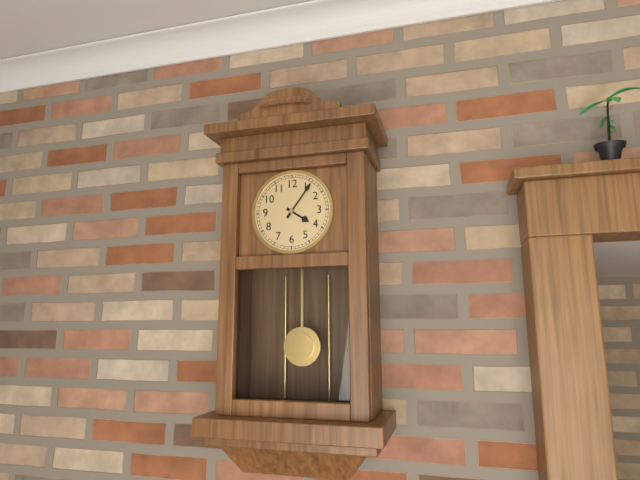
4:06
